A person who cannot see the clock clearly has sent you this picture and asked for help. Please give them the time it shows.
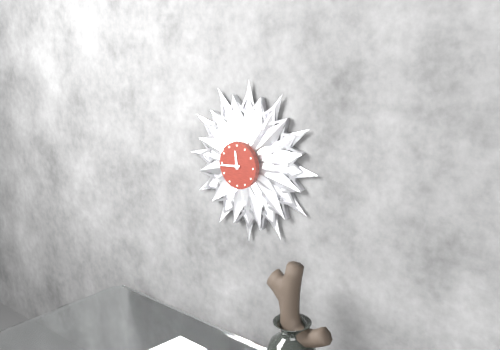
11:44
